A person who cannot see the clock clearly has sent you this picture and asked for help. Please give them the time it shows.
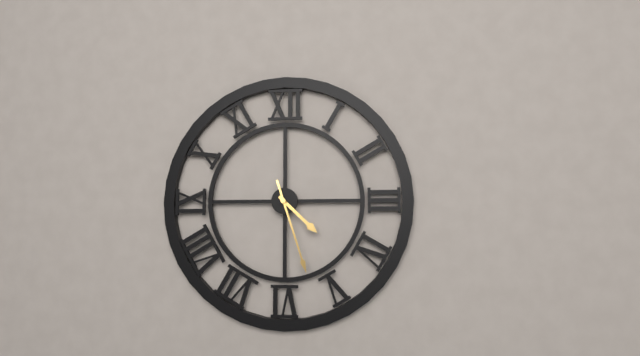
4:27
